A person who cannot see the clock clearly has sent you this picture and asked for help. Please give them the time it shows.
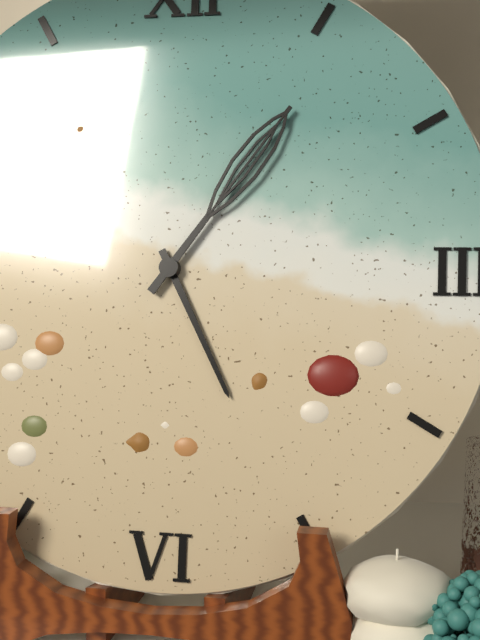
5:06
